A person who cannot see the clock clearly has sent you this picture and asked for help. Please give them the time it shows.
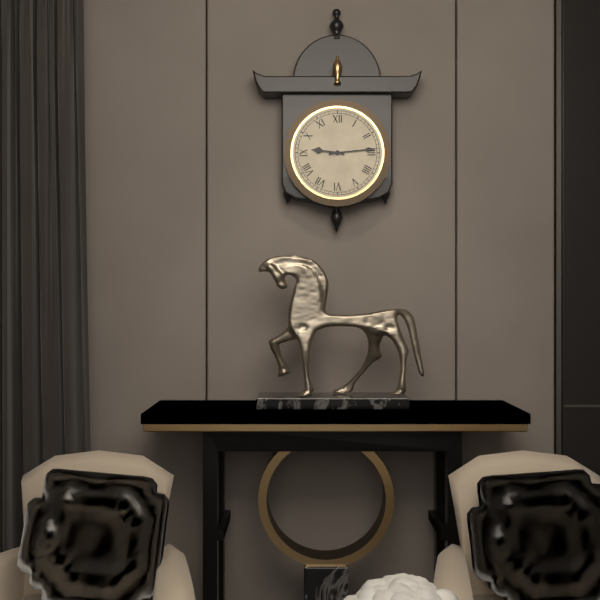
9:14
